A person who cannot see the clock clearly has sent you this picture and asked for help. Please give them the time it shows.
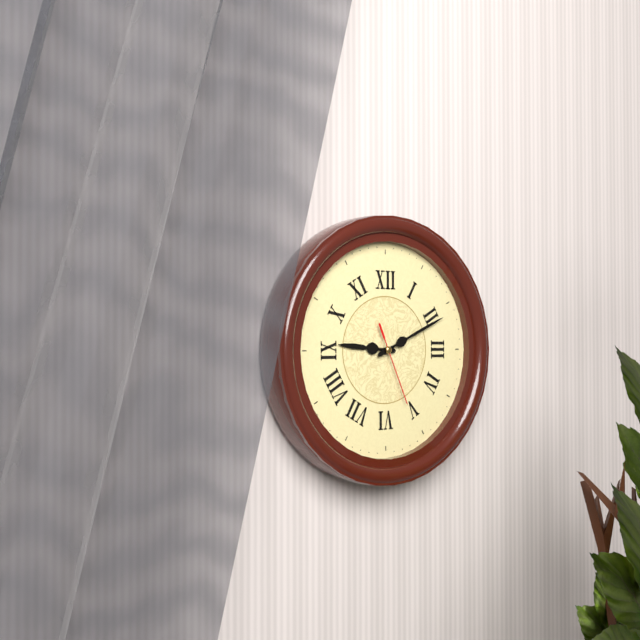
9:11:26
